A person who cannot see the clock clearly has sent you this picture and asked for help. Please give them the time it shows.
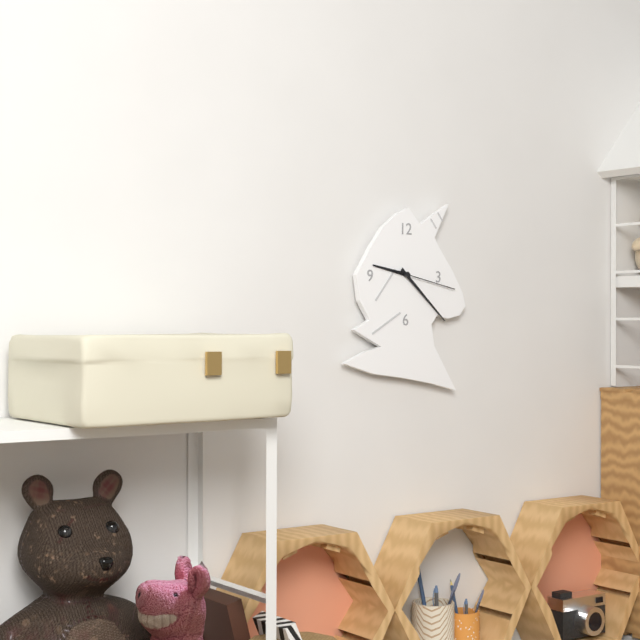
9:22:17
